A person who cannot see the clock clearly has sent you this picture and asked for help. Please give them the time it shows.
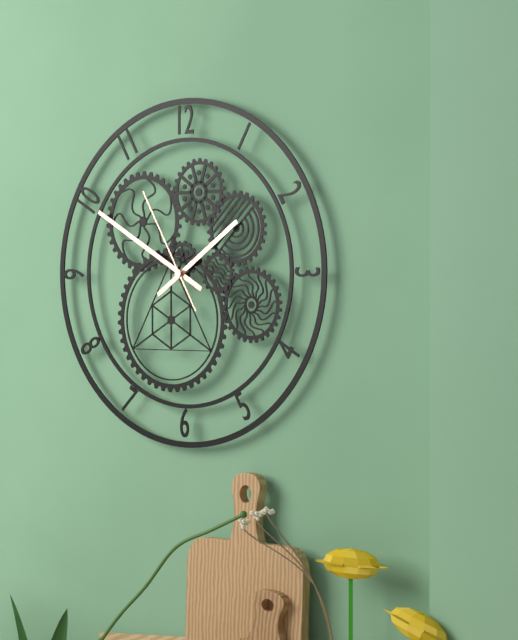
1:50:55
